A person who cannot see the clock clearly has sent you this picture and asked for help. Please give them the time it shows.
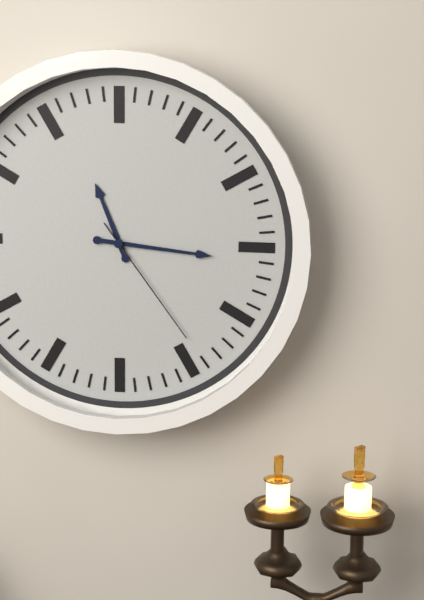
11:16:24
